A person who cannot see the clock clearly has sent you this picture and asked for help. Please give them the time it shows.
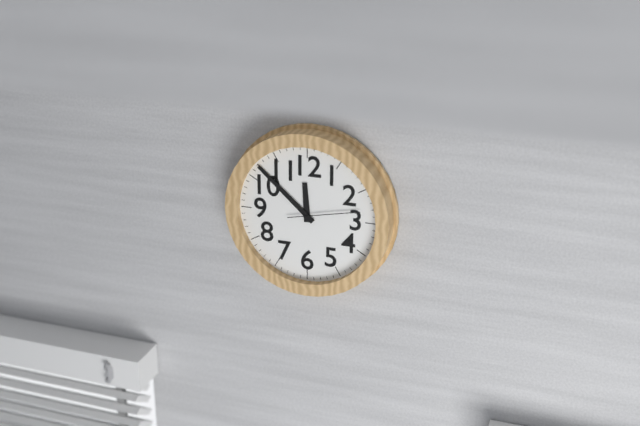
11:52:13
